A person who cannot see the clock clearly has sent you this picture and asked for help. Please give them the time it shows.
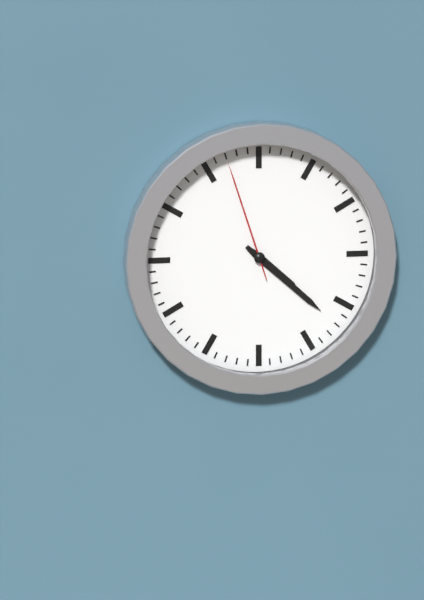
4:22:57
